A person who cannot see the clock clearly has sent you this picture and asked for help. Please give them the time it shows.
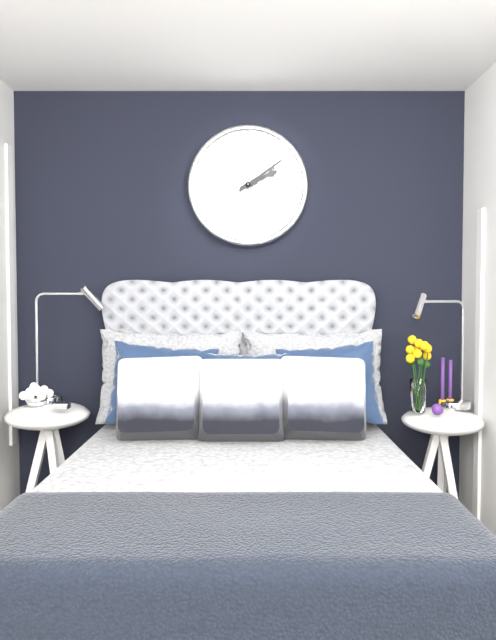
2:09
